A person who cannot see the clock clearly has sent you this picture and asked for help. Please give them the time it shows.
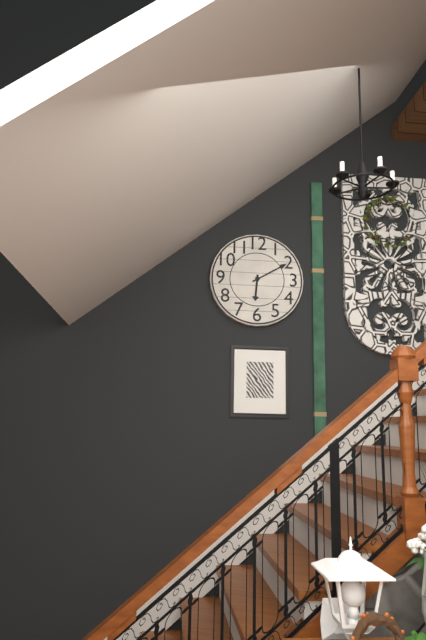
6:10
